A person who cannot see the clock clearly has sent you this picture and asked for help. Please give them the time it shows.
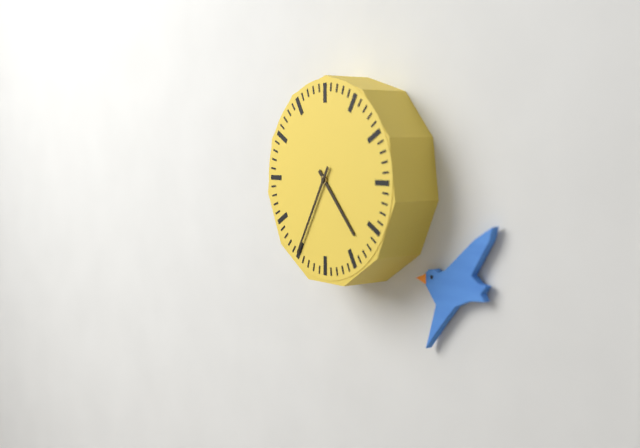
4:35
